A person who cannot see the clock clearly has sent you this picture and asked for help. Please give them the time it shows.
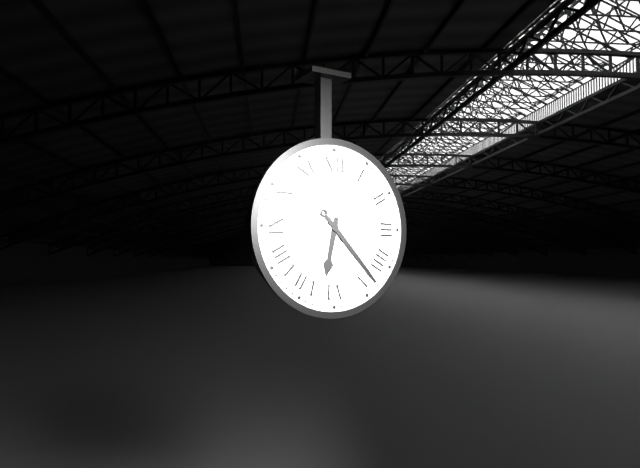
6:23
